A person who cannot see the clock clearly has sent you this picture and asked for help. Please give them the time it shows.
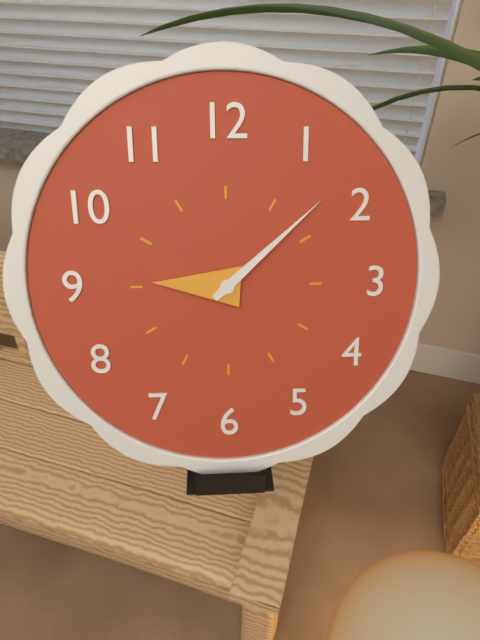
9:08
